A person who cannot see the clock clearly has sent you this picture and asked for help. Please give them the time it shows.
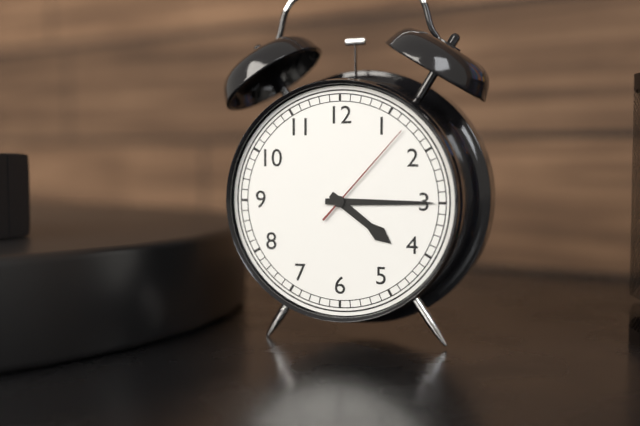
4:15:07
